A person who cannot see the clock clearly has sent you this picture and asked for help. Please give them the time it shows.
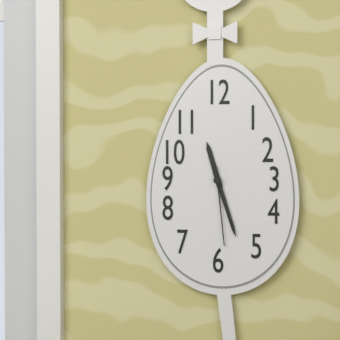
11:27:29
